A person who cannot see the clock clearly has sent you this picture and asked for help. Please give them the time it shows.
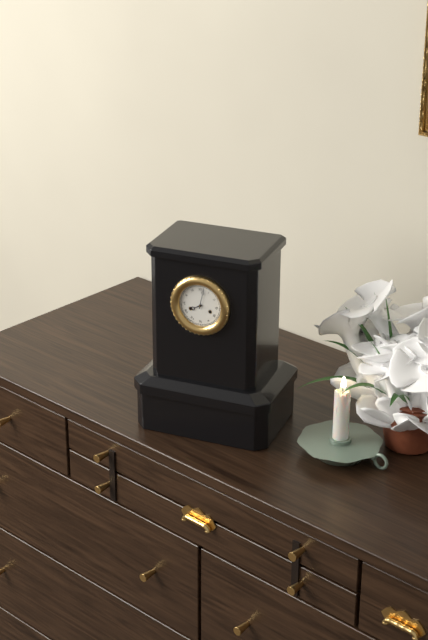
8:02
